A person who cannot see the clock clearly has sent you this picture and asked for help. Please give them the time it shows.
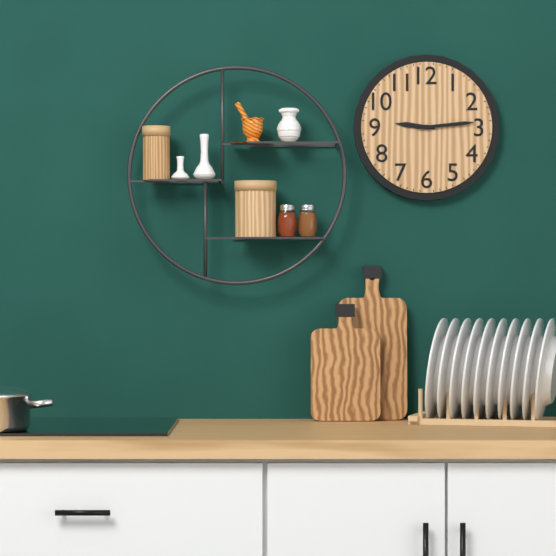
9:14
